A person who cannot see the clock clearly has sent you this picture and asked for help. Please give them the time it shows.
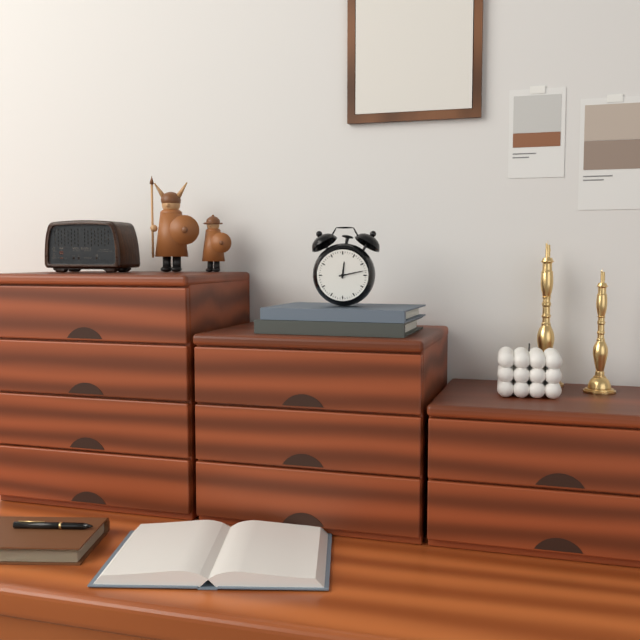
12:13
